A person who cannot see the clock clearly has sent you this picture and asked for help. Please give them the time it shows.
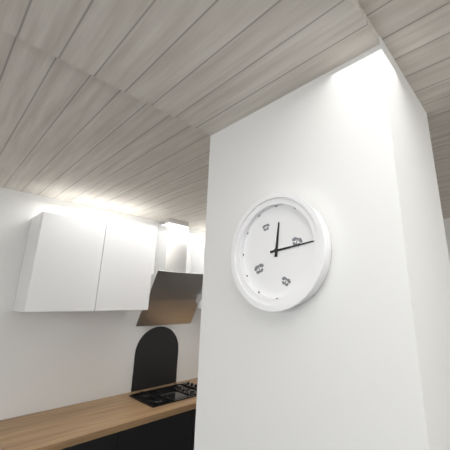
12:14
